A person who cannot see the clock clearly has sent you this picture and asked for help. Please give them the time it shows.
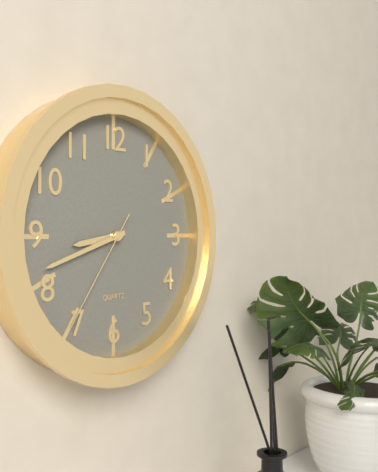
8:42:36
